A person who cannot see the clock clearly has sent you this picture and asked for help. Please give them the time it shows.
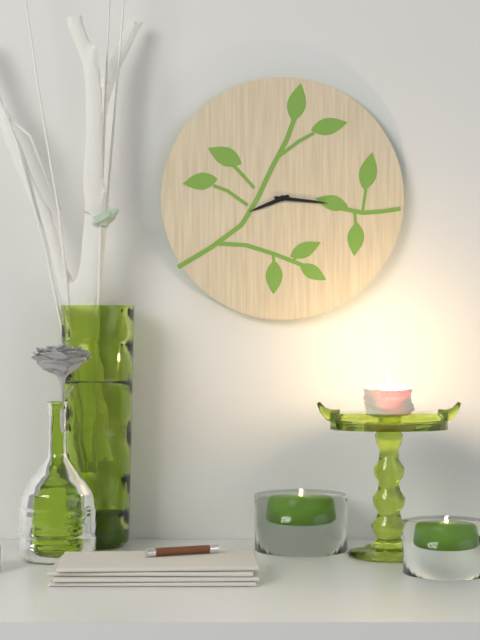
8:16
